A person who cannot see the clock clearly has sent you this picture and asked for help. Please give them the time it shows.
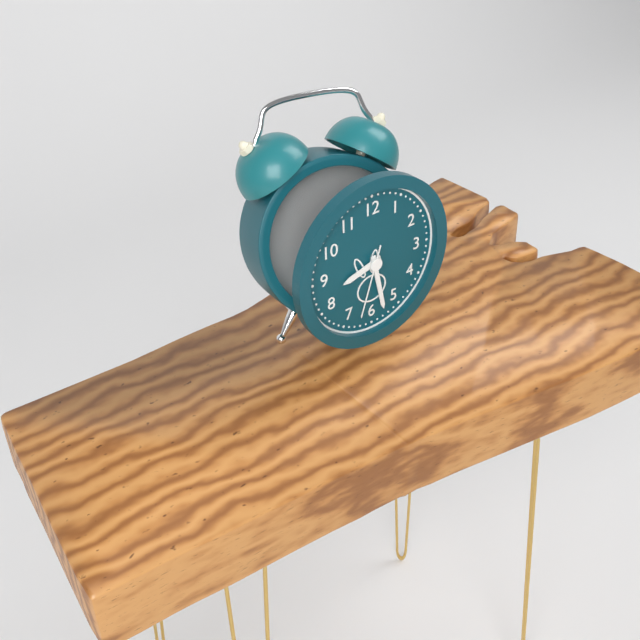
8:28:33
